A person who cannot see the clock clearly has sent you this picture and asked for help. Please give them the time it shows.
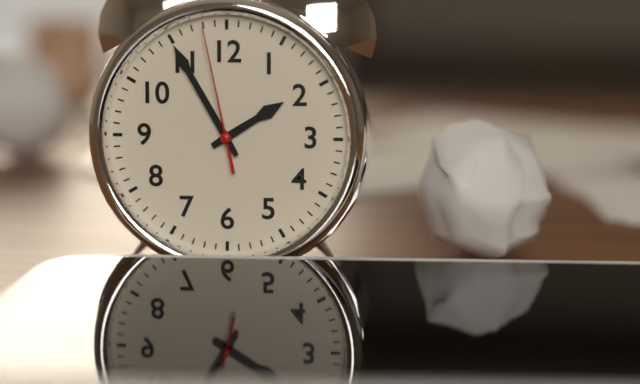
1:55:58
